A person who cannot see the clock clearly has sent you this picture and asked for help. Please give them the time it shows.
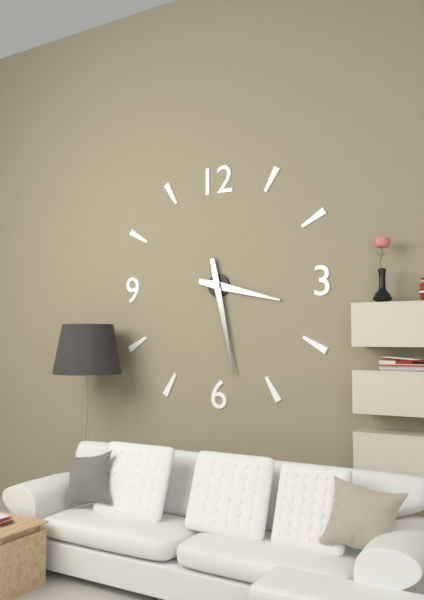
3:28
